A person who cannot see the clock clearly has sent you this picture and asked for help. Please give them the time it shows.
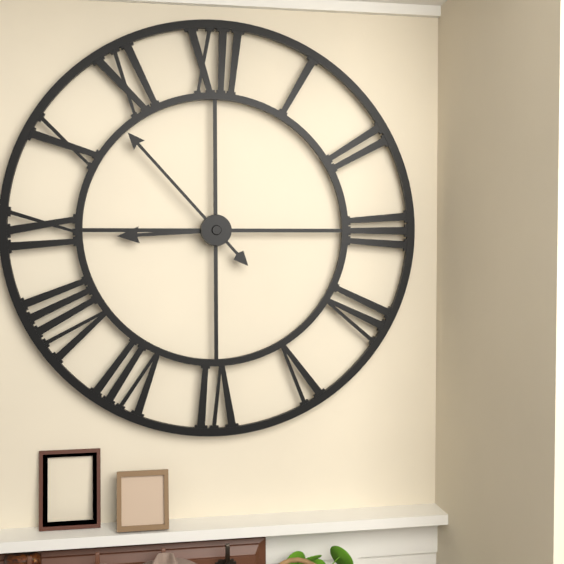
8:53
